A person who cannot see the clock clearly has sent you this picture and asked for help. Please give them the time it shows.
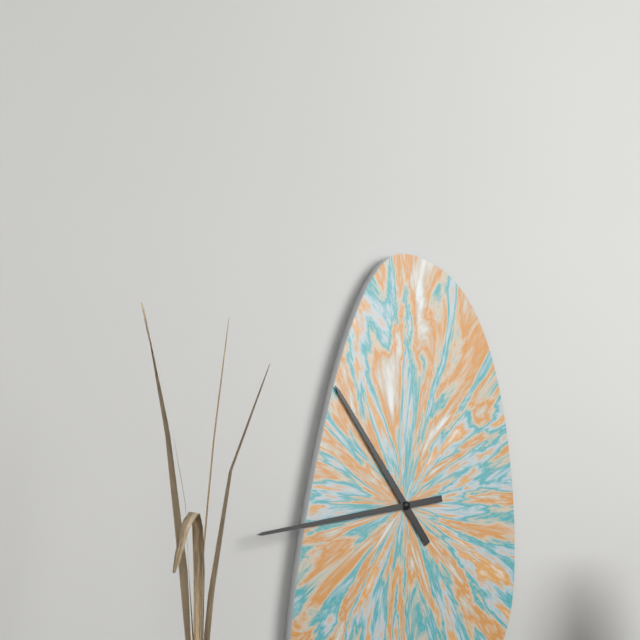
10:43
